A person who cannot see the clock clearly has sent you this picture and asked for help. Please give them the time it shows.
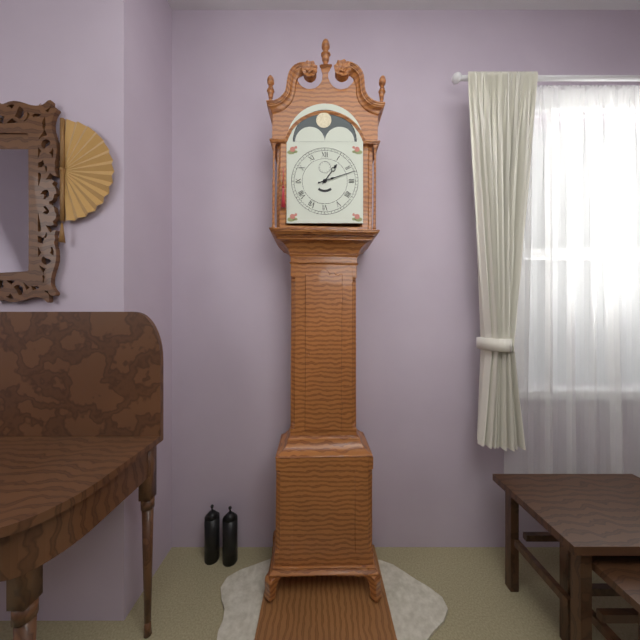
1:12
